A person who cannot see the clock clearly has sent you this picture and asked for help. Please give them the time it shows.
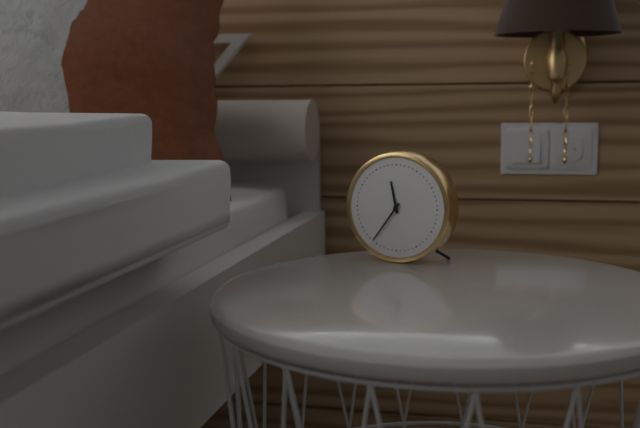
11:36
